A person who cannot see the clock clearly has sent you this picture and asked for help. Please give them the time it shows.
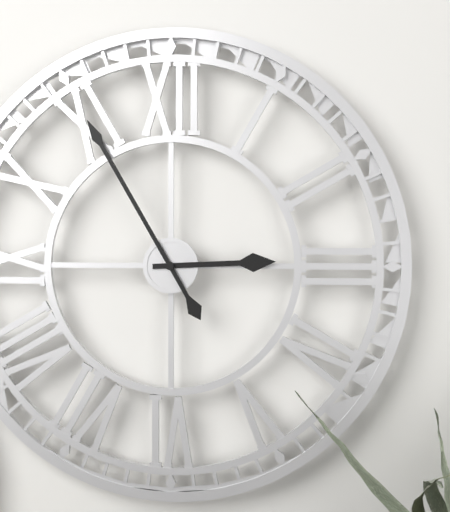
2:55
